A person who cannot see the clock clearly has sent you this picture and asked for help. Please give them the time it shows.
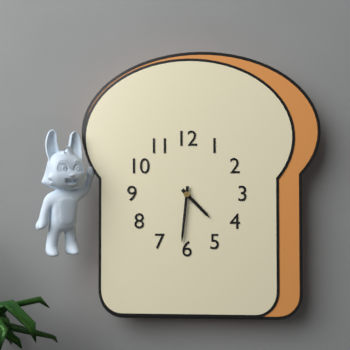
4:31
